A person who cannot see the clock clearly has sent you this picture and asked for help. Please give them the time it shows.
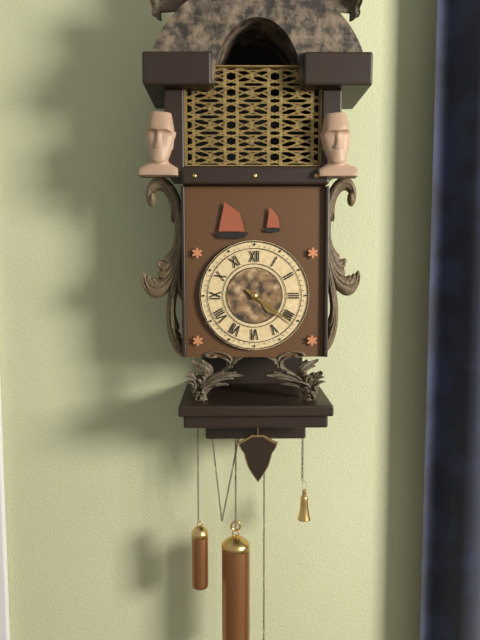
4:21
